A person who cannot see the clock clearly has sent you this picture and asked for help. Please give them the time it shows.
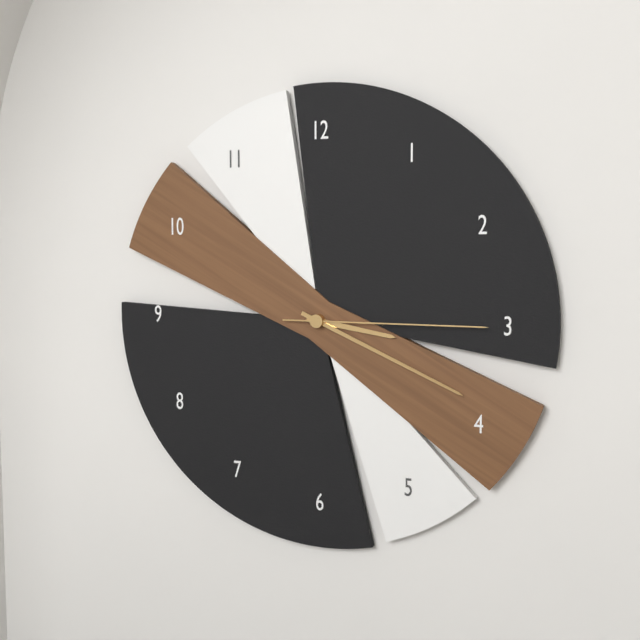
3:19:15
